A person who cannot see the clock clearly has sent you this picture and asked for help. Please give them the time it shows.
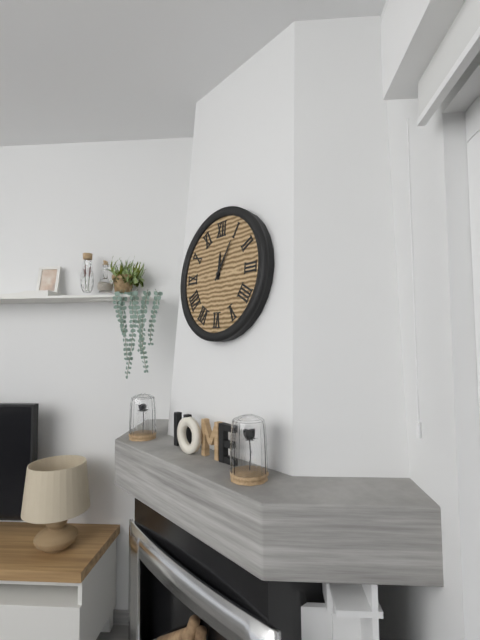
12:05
